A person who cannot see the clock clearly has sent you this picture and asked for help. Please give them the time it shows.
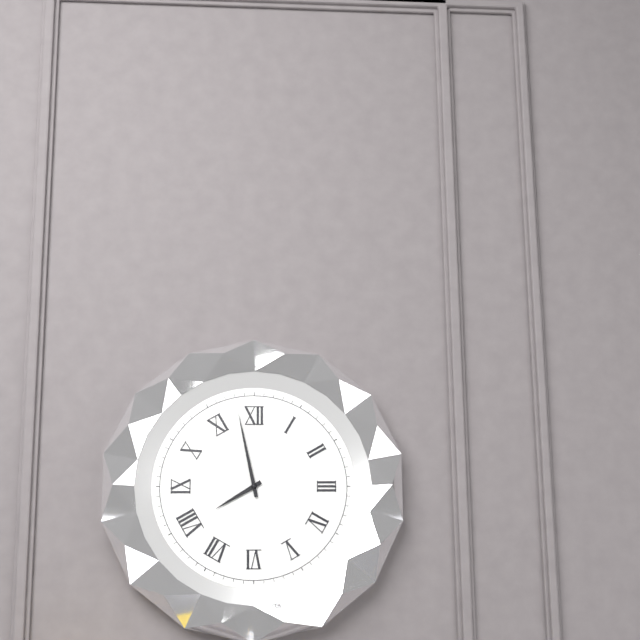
7:58
